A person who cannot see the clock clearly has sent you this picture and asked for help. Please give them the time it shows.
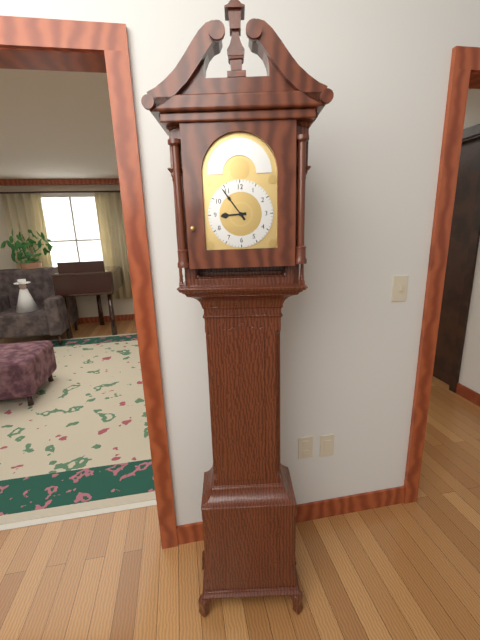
8:54
